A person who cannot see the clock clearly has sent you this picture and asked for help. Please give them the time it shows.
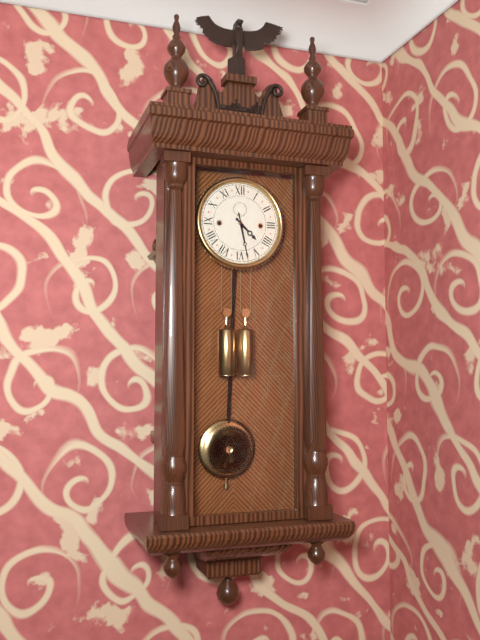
4:28
